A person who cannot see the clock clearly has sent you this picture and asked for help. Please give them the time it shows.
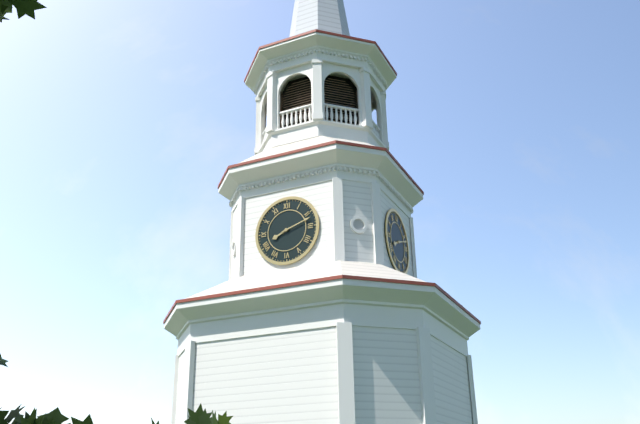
8:12
